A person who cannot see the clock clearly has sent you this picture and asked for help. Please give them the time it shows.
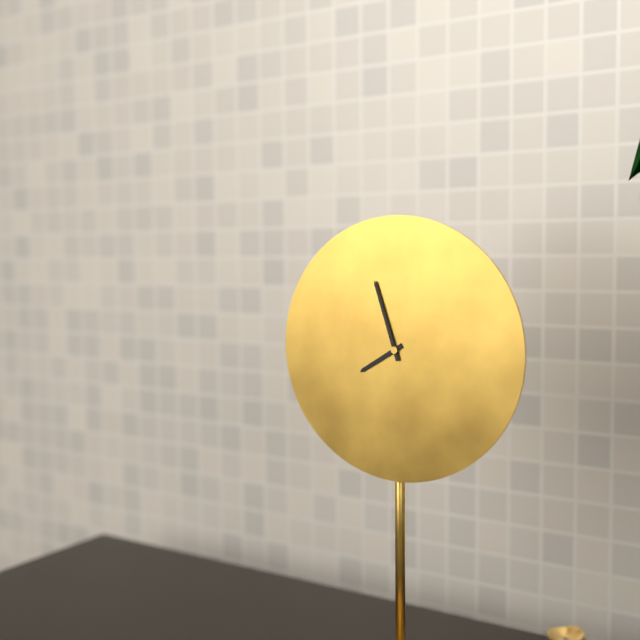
7:57
